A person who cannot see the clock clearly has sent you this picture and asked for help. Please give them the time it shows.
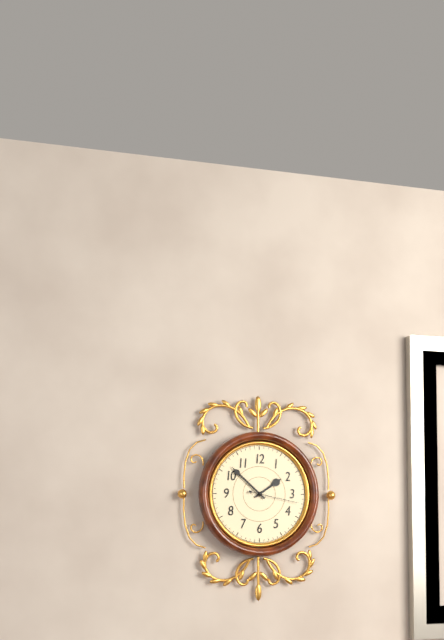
1:52
